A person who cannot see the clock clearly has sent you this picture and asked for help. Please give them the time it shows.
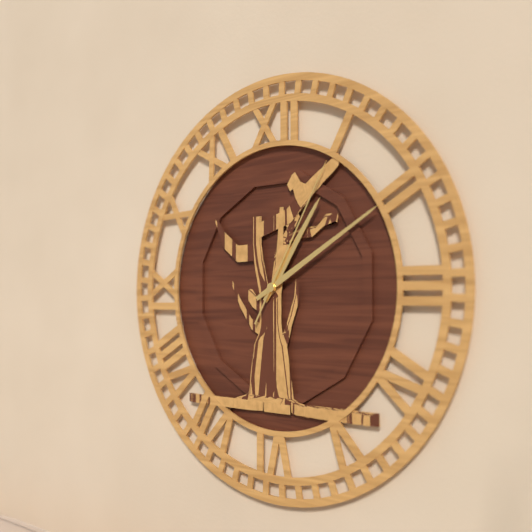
1:10:05
